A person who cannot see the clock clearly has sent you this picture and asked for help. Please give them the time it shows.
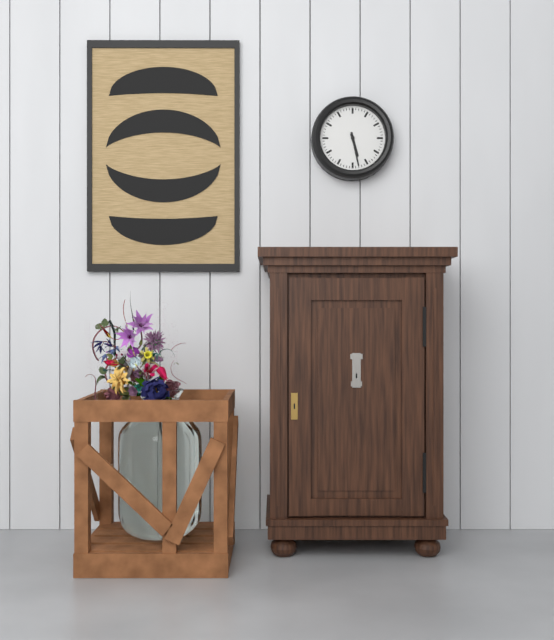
5:28
